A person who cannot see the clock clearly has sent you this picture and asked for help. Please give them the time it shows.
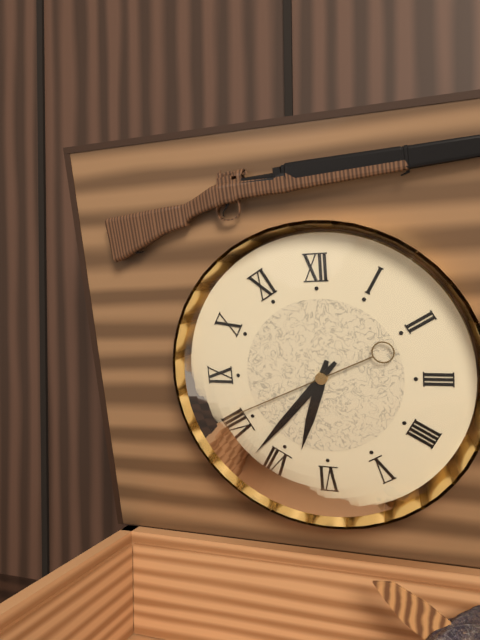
6:37:41
